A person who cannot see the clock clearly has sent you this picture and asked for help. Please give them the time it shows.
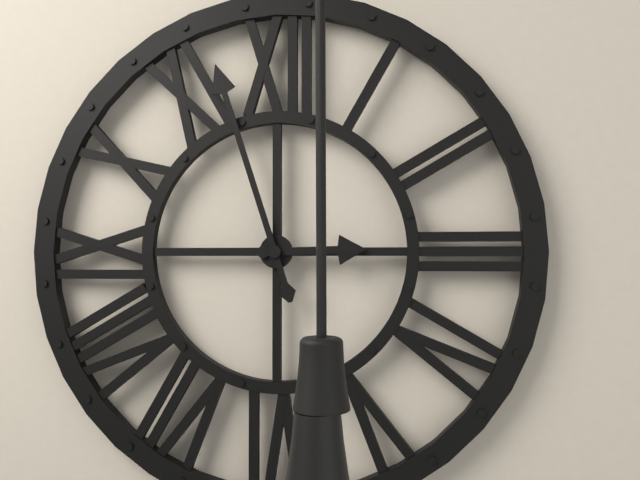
2:57
